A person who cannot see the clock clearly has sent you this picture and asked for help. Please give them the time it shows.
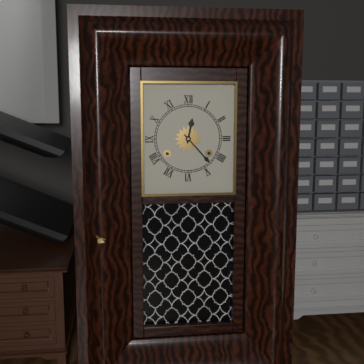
12:23
